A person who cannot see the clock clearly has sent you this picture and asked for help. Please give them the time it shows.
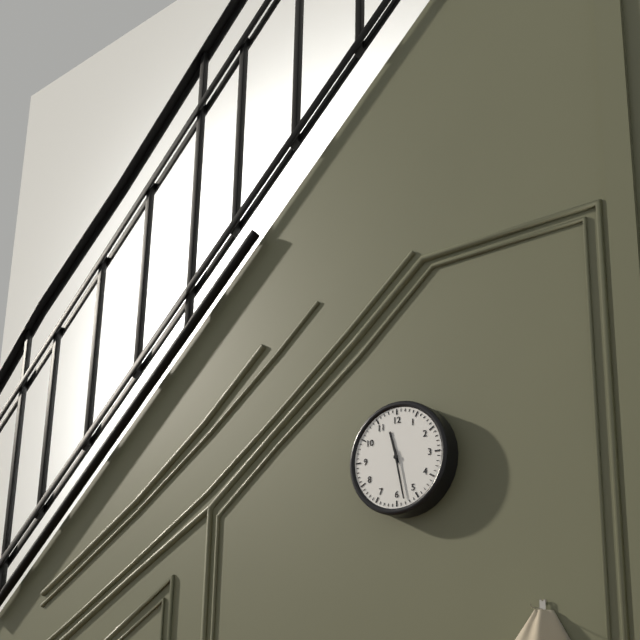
11:28
